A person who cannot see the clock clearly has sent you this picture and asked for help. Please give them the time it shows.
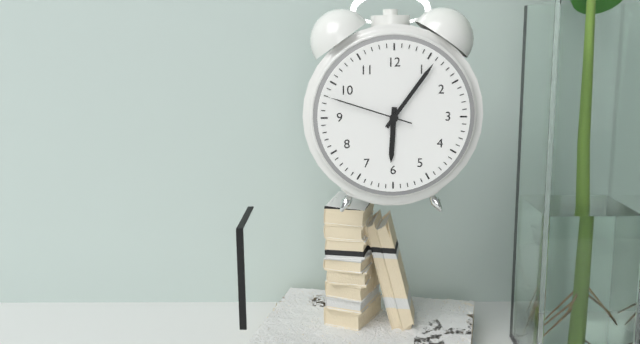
6:06:48
